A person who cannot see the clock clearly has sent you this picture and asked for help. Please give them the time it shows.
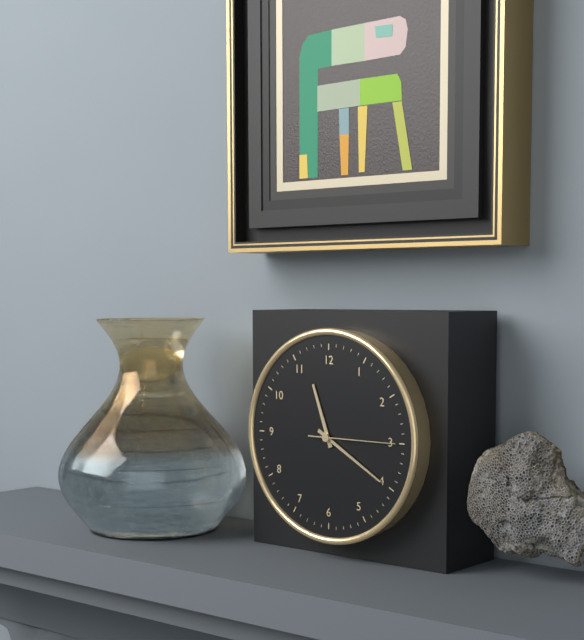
11:20:15
